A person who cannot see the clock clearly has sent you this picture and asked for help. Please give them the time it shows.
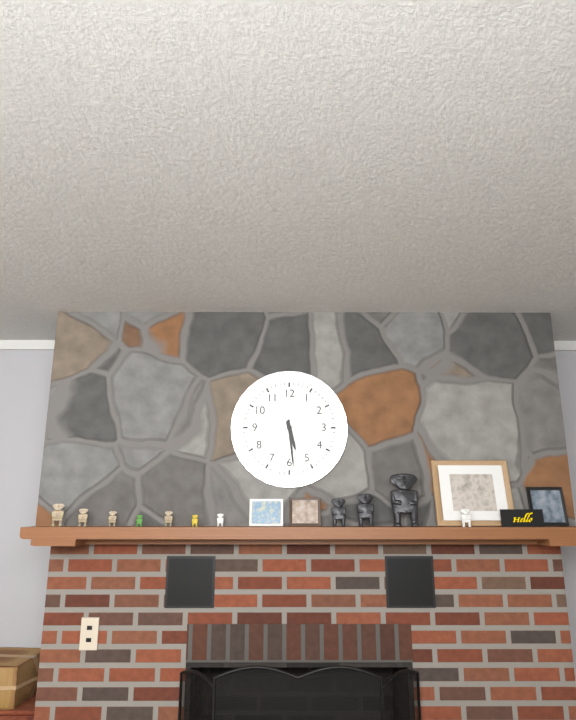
5:29
